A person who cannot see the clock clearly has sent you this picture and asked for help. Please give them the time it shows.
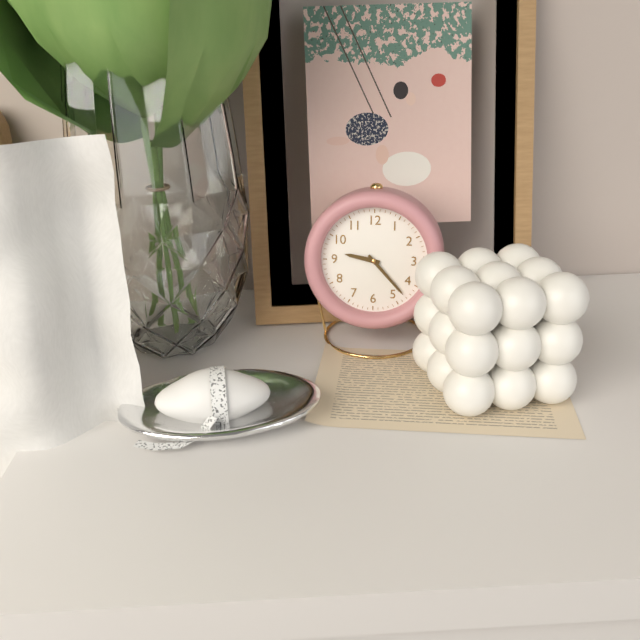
9:23
